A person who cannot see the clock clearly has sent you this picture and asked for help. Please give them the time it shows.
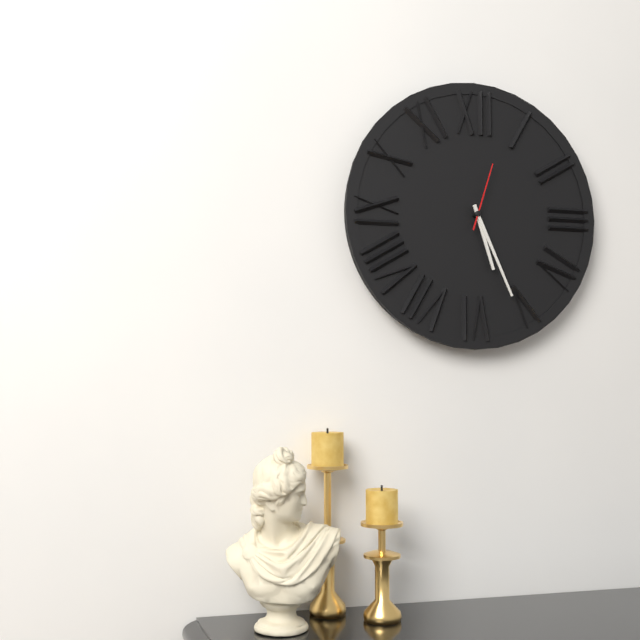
5:26:03
